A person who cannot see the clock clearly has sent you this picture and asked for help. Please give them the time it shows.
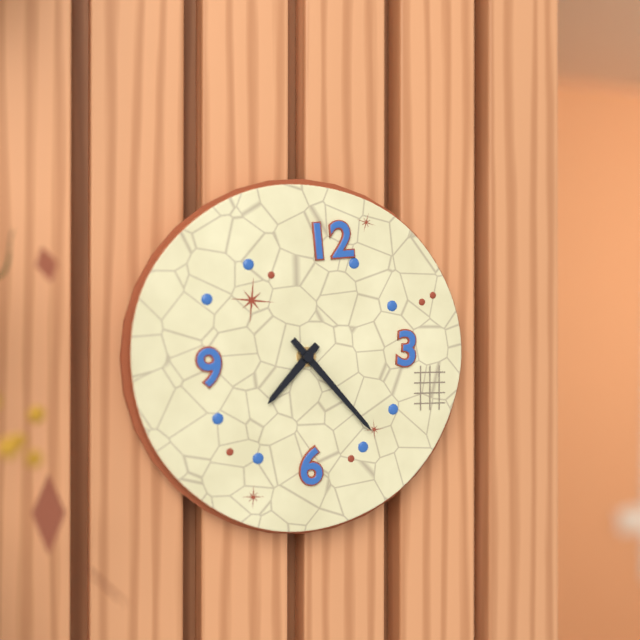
7:23
